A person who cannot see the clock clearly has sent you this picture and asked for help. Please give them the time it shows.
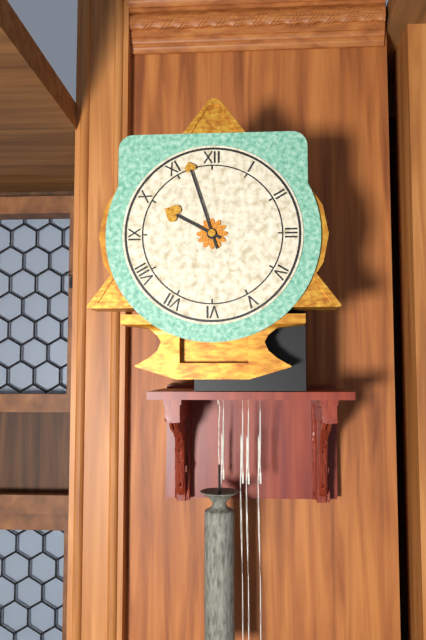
9:57
